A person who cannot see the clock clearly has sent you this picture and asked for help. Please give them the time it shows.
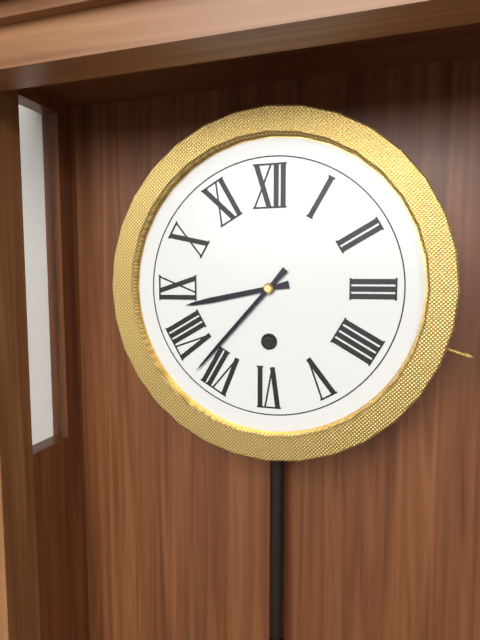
8:37
